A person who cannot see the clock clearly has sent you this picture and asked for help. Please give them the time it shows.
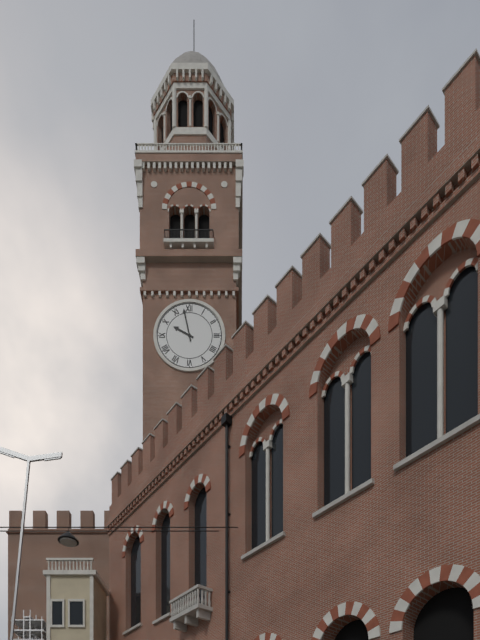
9:58
